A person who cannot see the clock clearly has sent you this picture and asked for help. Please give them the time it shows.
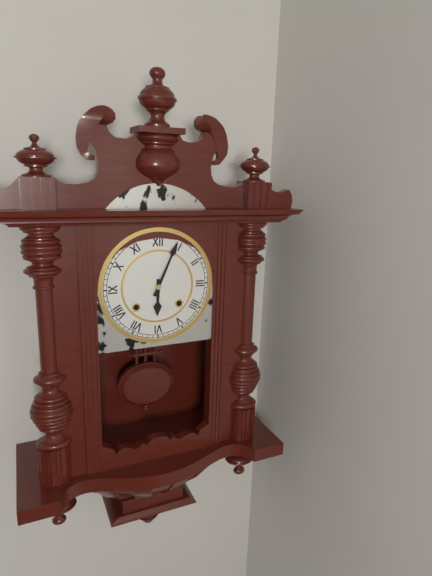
6:04
